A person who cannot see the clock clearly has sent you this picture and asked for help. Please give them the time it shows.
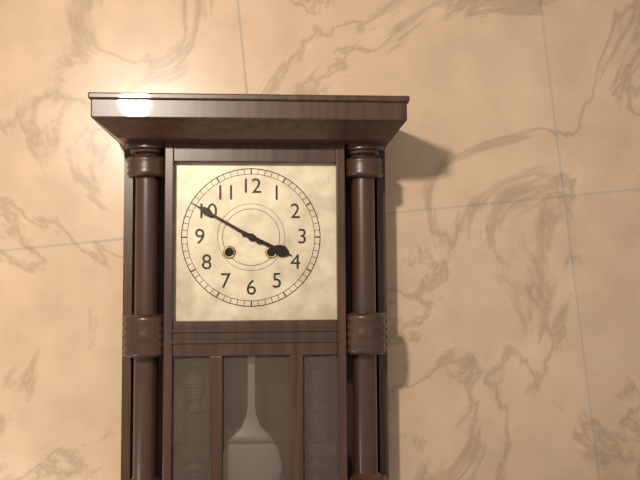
3:50
